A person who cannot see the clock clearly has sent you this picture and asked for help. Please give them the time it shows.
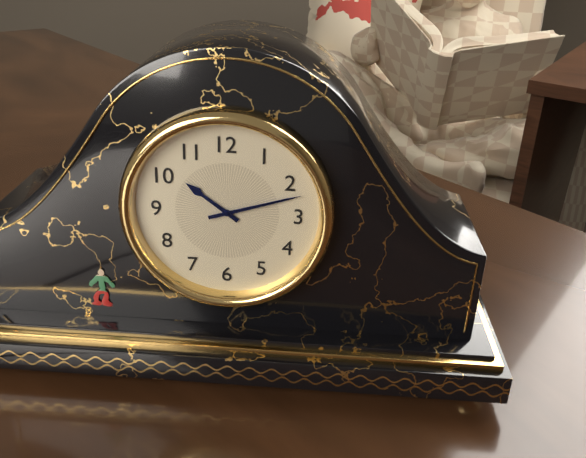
10:12
